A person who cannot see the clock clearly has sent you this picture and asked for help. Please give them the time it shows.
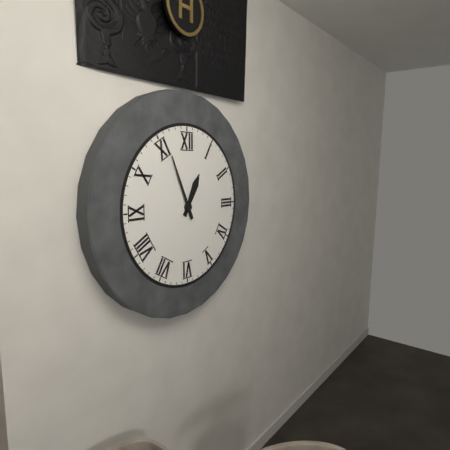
12:56
